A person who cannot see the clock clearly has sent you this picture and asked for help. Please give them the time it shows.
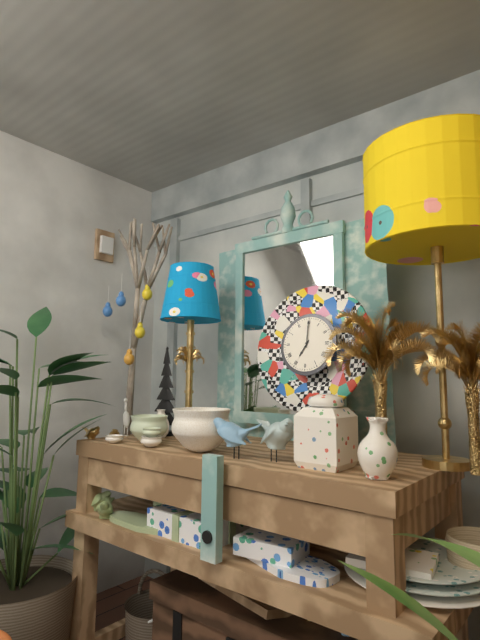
7:00
